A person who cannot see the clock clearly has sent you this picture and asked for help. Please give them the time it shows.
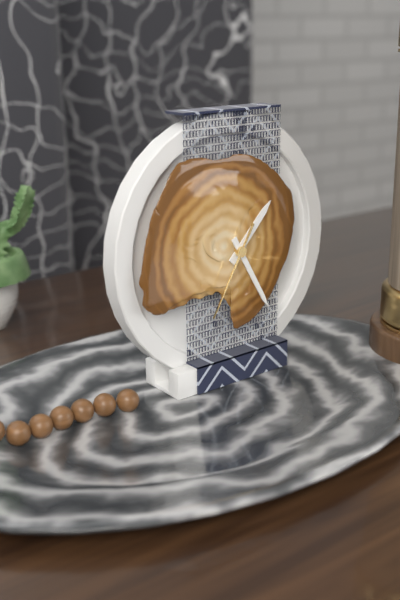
1:25:35
